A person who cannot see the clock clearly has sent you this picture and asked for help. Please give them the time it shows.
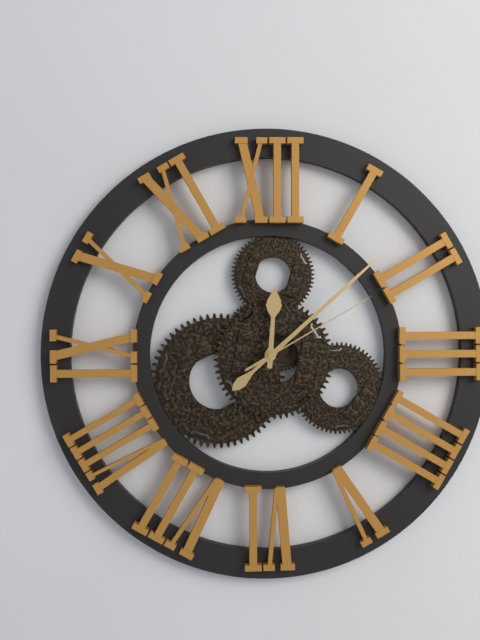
12:08:10
